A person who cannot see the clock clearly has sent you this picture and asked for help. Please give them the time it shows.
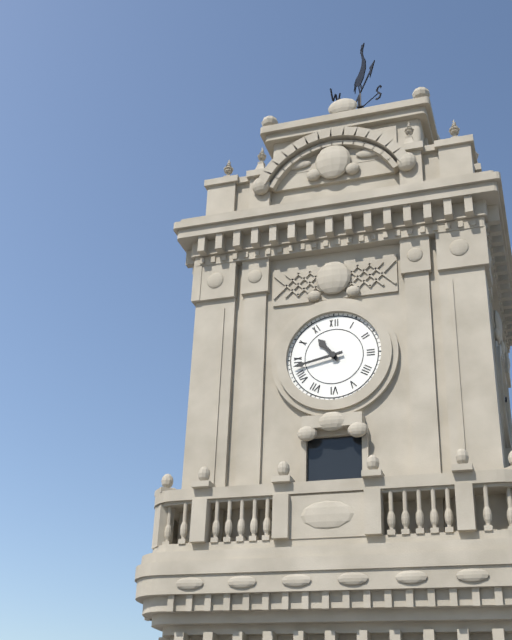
10:43
